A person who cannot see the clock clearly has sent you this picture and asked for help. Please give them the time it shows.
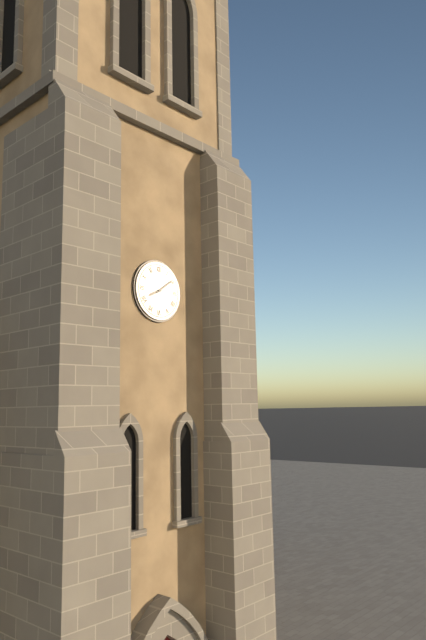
8:09
